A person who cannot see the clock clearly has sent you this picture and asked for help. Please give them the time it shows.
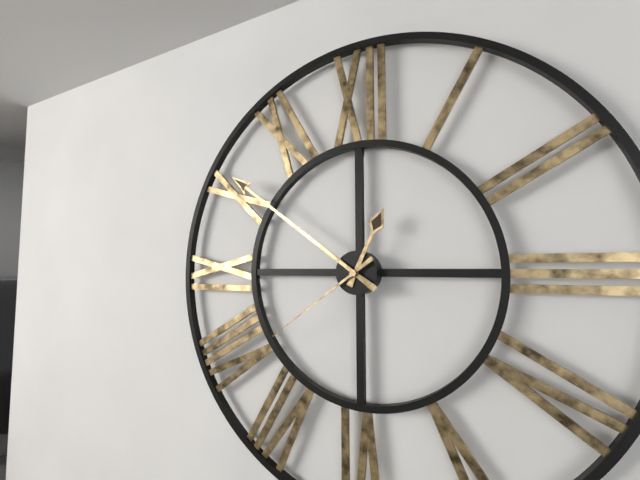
12:51:39
